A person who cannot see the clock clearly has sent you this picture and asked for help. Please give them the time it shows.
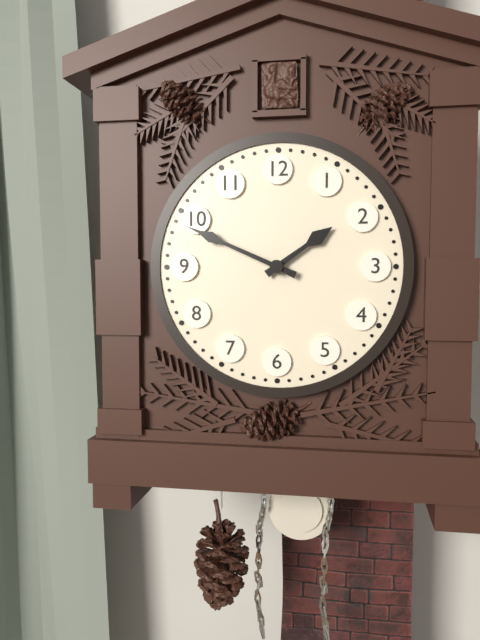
1:49
